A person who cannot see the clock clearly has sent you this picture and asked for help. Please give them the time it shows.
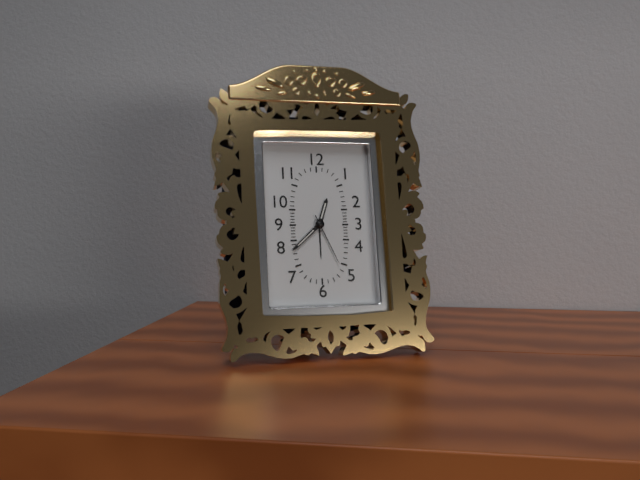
12:38:26
